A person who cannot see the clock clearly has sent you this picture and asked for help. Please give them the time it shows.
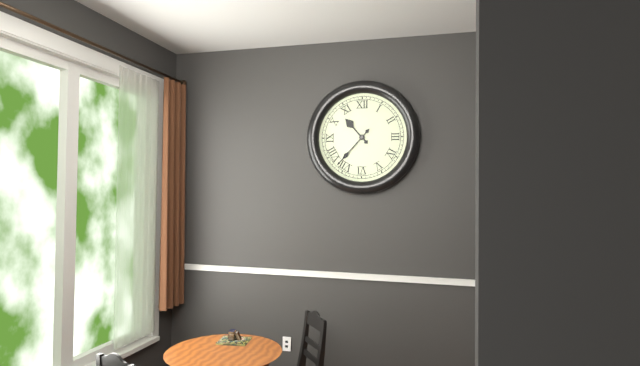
10:37
